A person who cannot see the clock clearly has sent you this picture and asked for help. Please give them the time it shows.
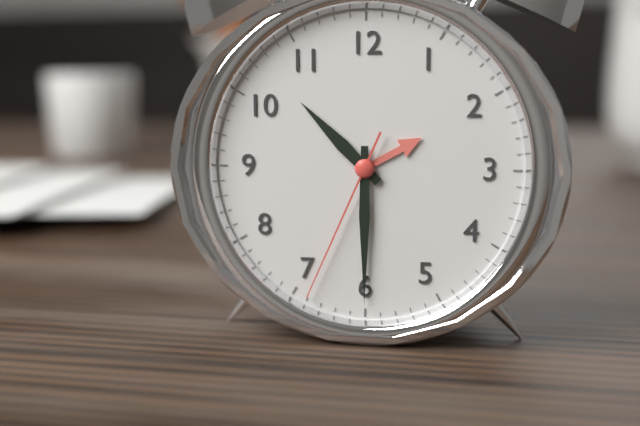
10:30:34
